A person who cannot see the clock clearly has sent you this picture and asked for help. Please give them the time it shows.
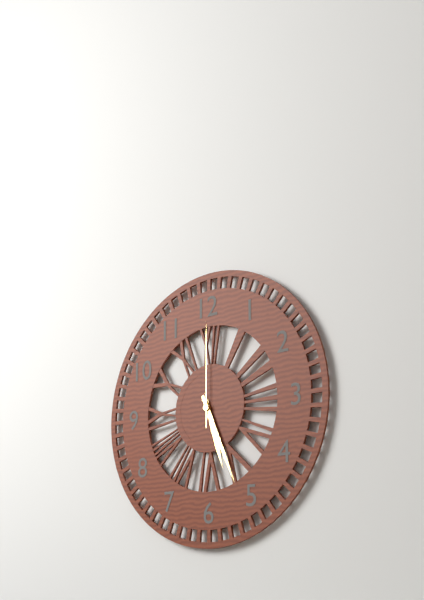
5:26:00
